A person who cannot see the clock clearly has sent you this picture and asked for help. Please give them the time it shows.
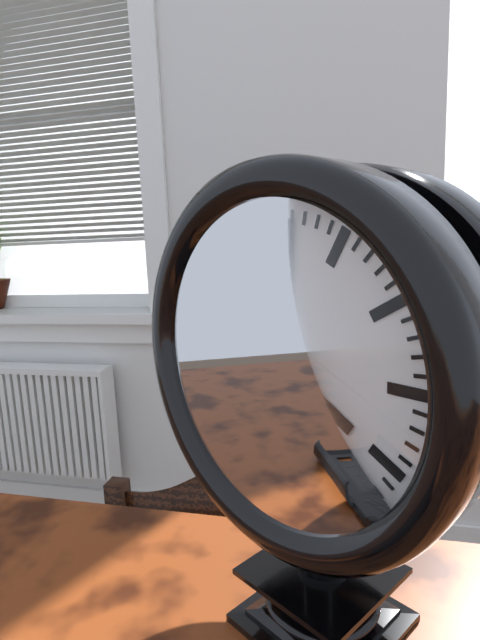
4:01:50
